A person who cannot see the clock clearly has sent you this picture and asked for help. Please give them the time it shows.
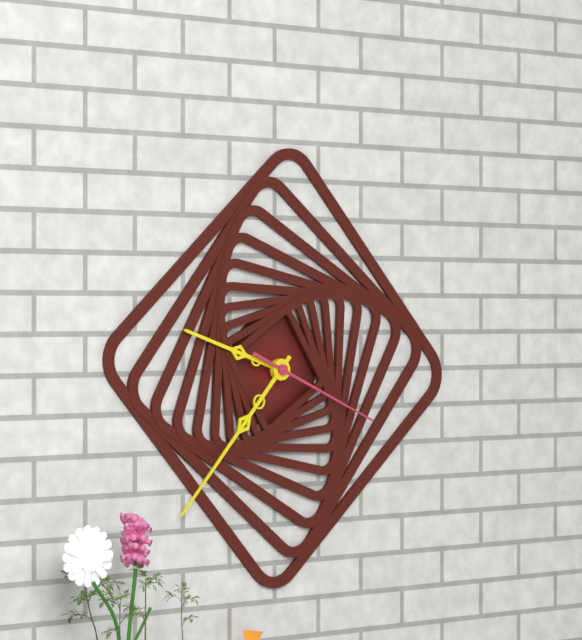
9:37:19
